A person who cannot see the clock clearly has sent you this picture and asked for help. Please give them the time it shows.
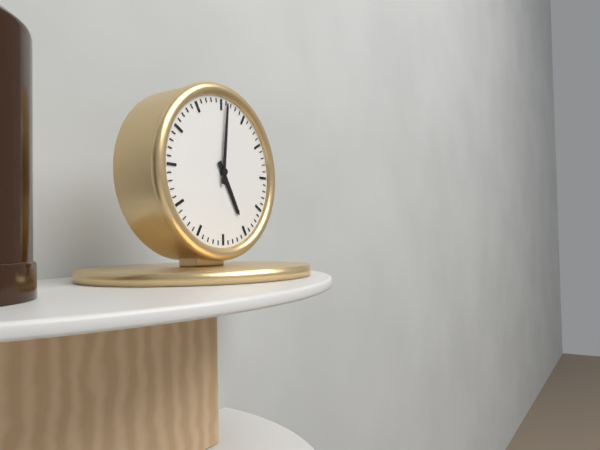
5:01
